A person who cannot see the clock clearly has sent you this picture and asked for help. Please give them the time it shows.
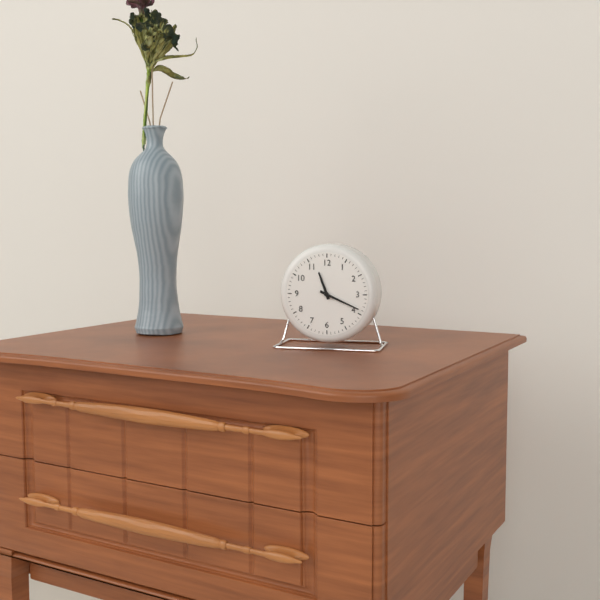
11:19
